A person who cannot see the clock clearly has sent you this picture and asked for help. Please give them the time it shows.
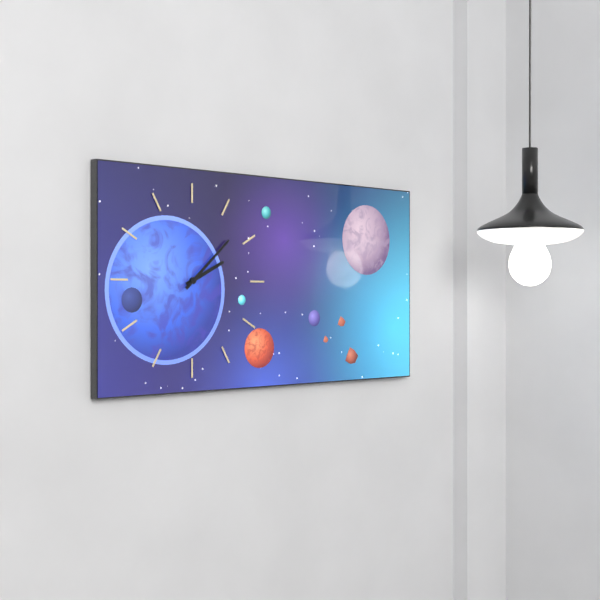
2:08
